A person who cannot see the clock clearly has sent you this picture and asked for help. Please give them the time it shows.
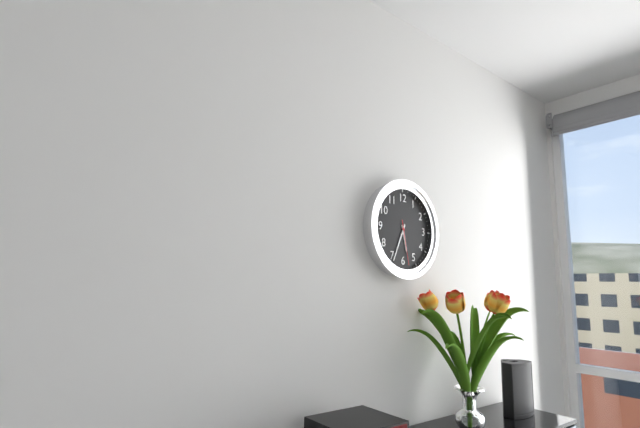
5:34
